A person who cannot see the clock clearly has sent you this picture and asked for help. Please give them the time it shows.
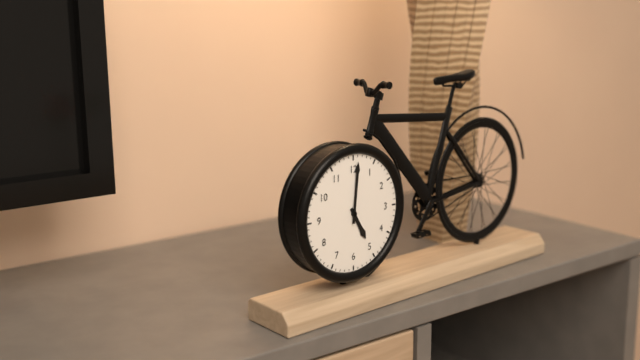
5:01
